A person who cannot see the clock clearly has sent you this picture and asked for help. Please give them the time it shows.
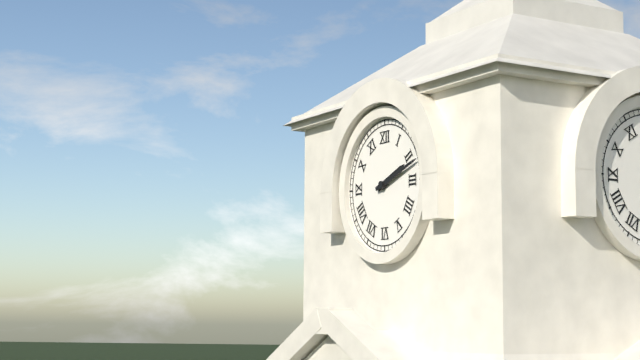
2:12
